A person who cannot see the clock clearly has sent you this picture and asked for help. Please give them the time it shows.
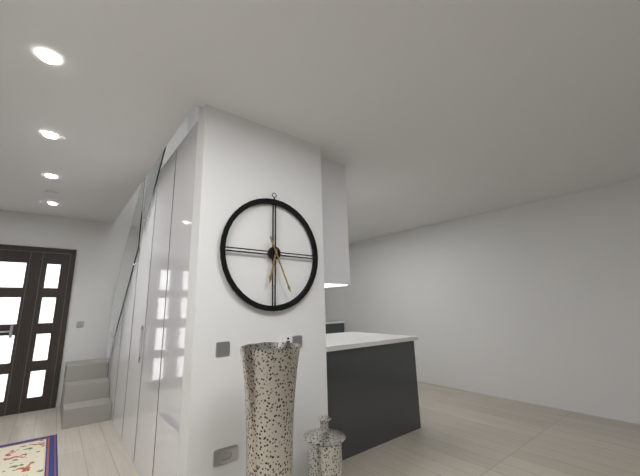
6:26
